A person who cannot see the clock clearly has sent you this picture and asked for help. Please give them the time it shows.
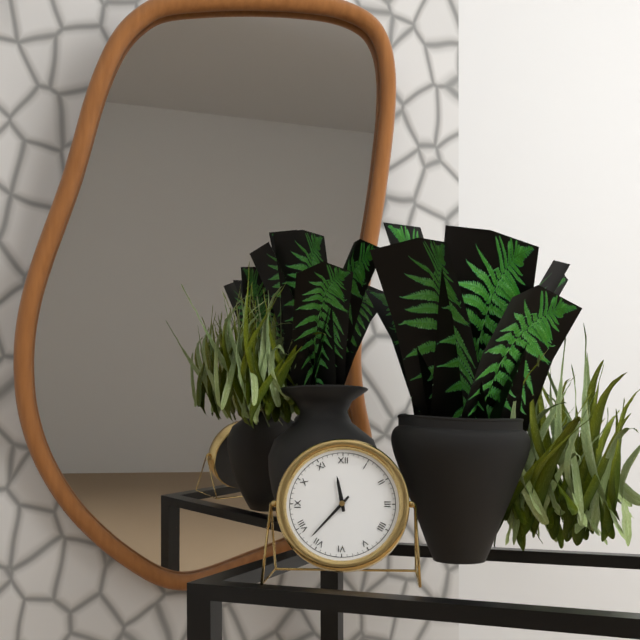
11:37
